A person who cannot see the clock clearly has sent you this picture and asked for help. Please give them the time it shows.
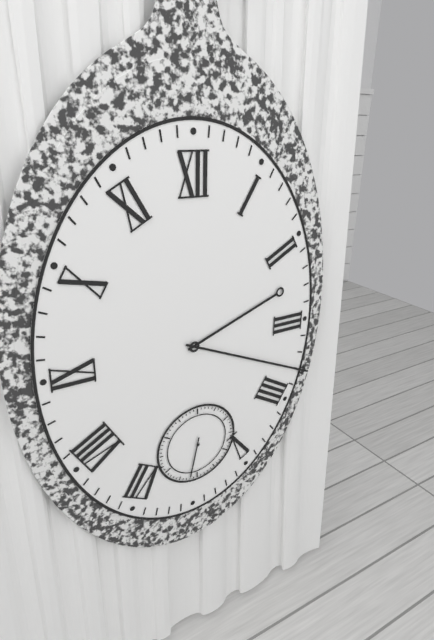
2:19
